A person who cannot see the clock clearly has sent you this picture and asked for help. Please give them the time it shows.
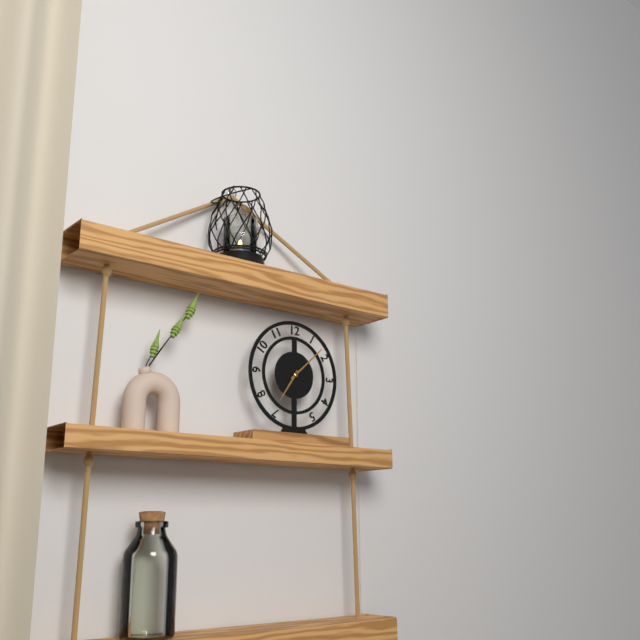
7:08
